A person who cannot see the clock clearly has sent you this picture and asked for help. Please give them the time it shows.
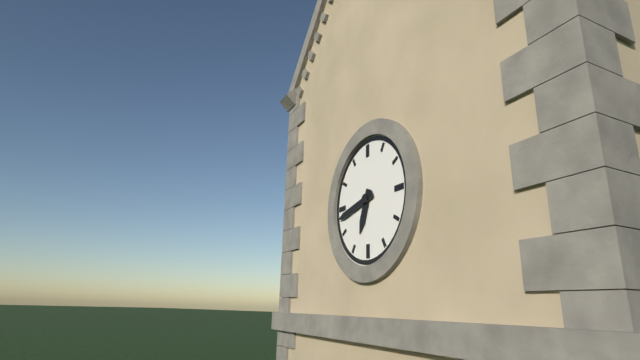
6:43
